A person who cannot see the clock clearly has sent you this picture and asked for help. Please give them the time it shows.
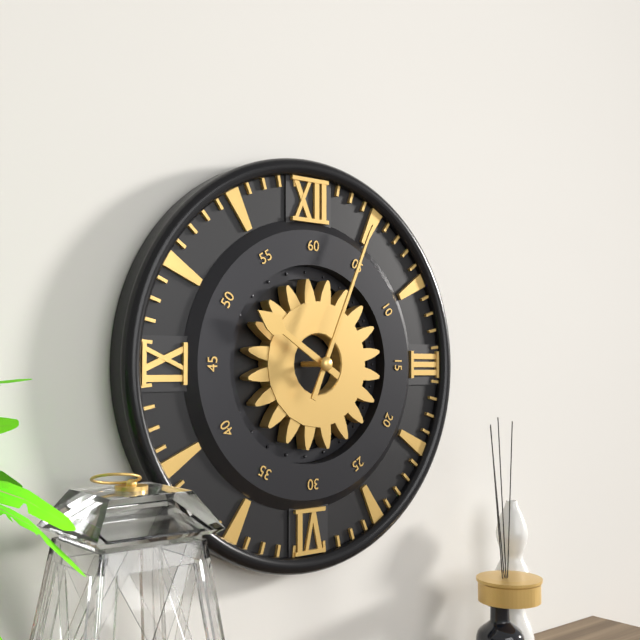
10:04
